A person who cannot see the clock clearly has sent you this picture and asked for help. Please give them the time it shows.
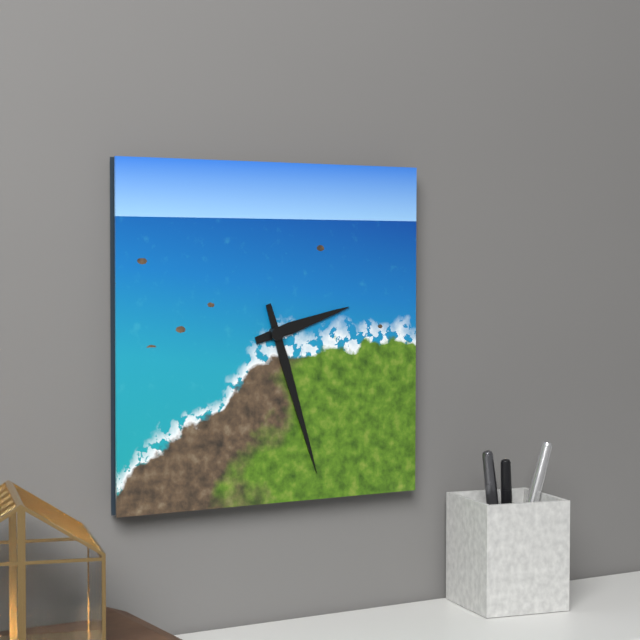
2:27
